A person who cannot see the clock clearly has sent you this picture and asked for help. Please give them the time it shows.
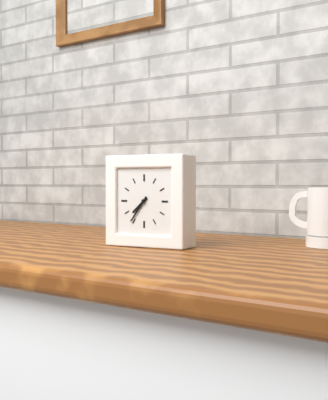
7:36
